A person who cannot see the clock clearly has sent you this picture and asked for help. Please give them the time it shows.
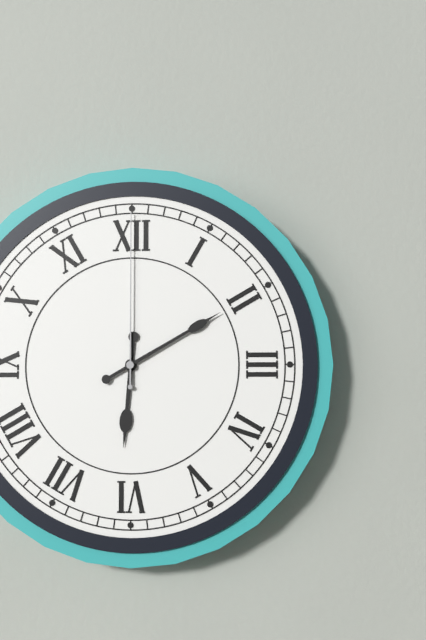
6:10:00
